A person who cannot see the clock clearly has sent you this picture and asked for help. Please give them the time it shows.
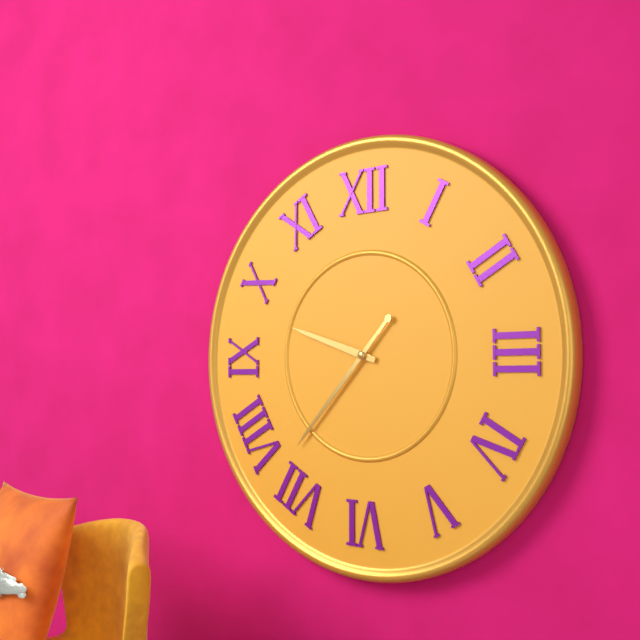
9:37
